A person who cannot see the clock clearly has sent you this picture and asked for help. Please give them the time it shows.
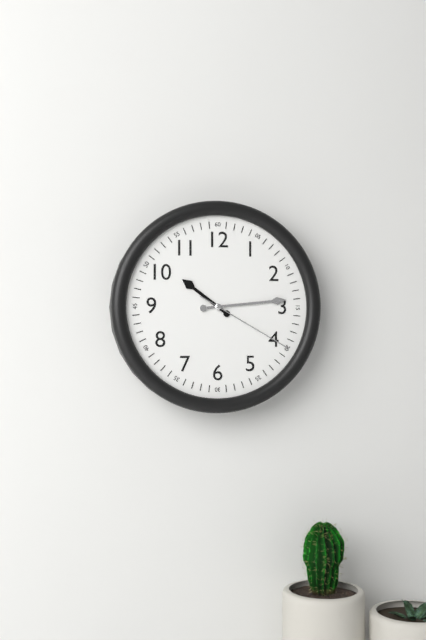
10:14:20
